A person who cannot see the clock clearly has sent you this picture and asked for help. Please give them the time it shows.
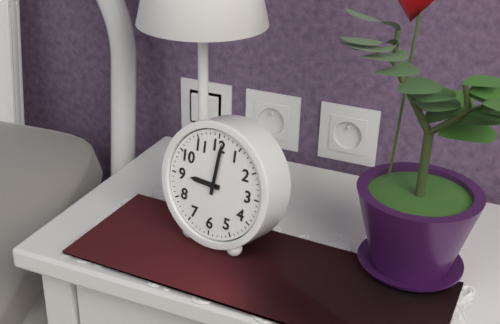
9:01
